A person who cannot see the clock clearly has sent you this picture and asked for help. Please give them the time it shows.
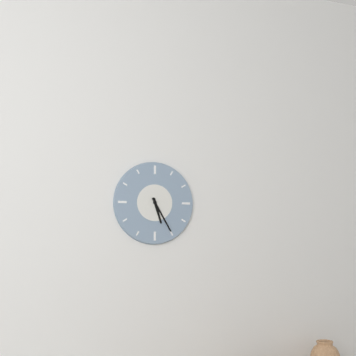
5:25
